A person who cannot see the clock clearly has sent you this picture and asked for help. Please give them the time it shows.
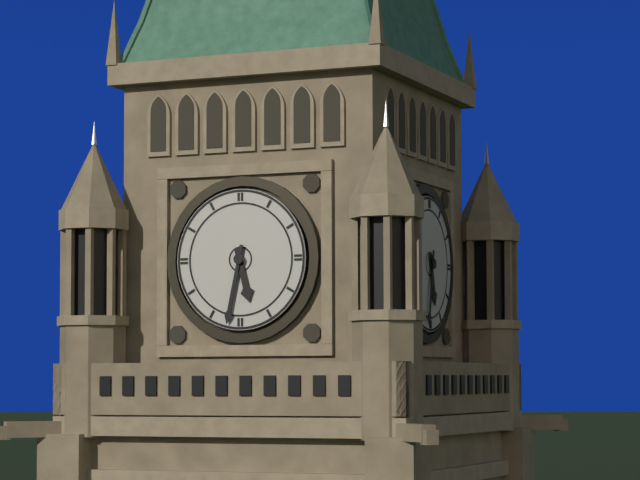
5:32
